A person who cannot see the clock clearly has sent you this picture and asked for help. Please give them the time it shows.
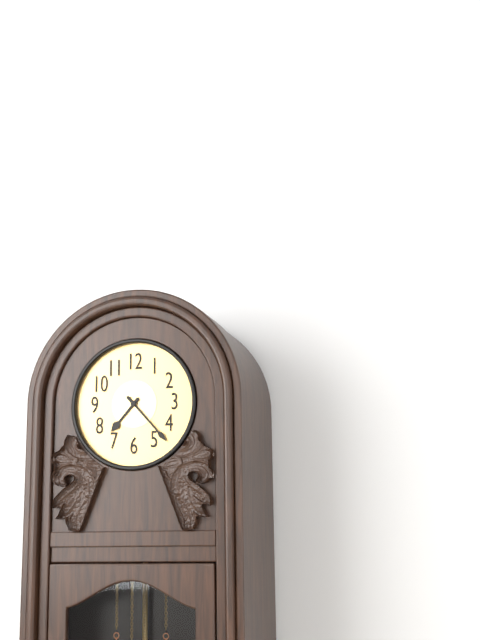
7:23
